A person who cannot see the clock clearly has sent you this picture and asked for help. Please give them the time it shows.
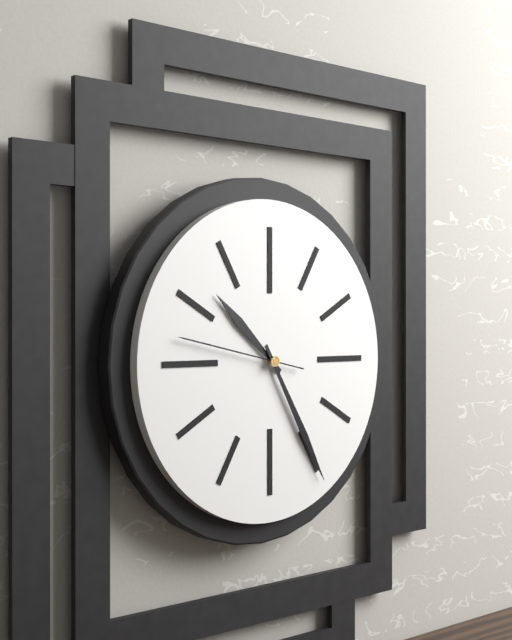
10:25:47
